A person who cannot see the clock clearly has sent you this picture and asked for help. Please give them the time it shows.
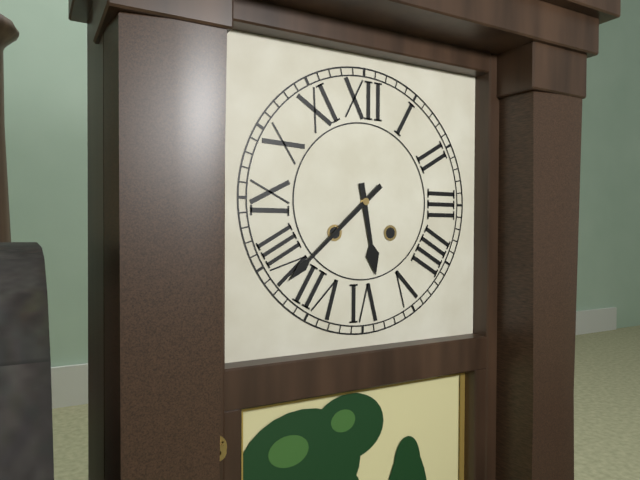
5:38
